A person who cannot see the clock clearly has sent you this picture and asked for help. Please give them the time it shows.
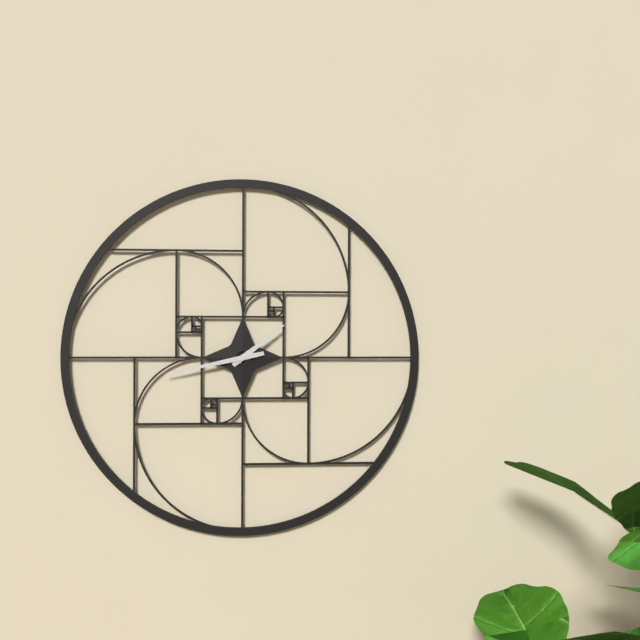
1:43
